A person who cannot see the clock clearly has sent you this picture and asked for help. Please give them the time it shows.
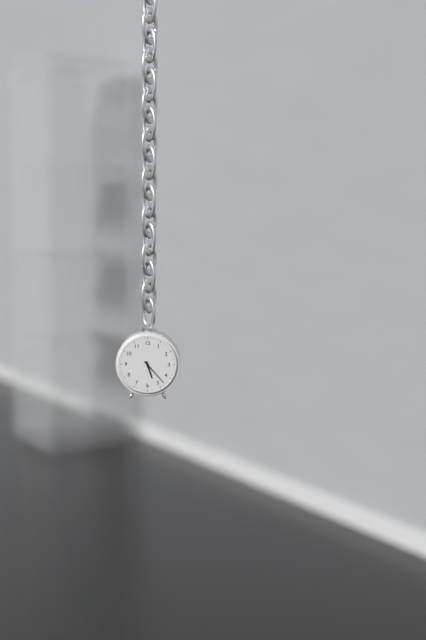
5:23
